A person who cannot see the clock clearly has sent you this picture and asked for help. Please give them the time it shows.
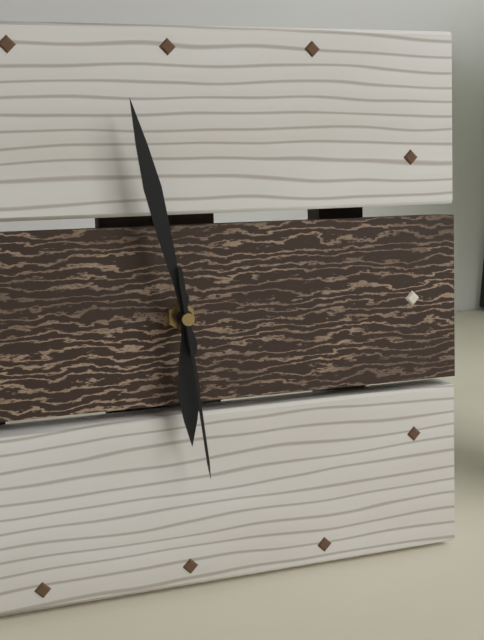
5:58:29
